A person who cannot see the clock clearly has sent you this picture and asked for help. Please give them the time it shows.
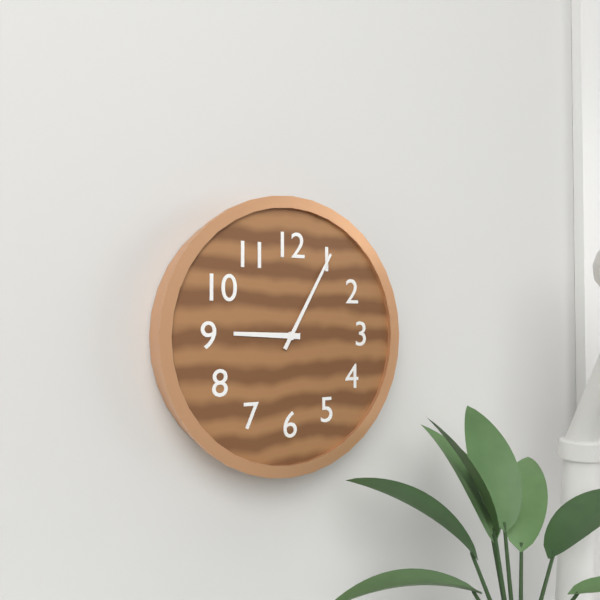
9:05
